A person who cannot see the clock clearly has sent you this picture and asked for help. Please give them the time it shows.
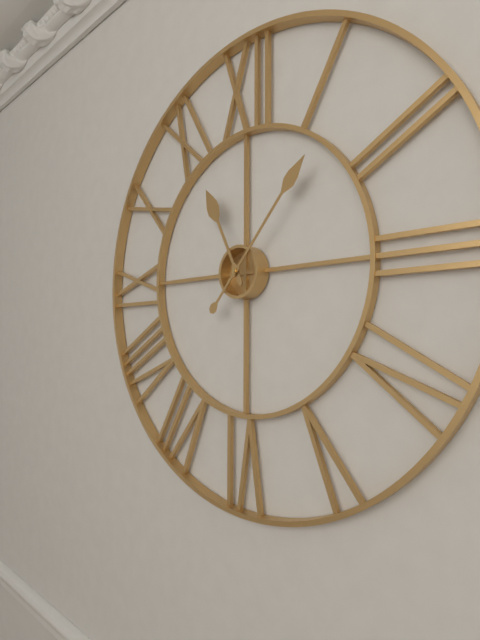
11:07
